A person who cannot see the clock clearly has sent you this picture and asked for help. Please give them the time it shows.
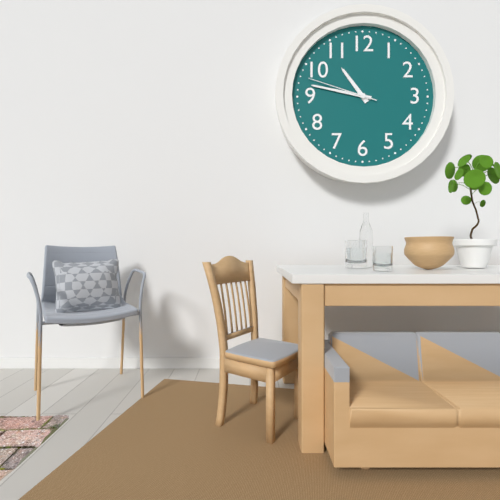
10:47:48
